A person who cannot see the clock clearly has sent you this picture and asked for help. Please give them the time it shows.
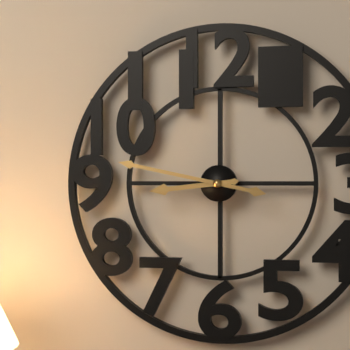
8:47
